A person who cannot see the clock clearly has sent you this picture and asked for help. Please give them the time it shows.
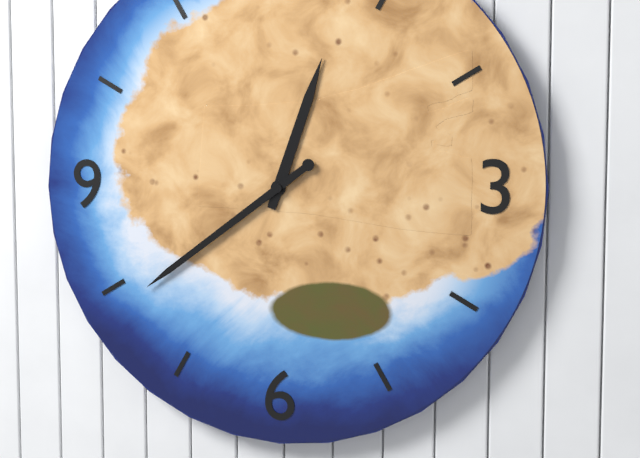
12:39
